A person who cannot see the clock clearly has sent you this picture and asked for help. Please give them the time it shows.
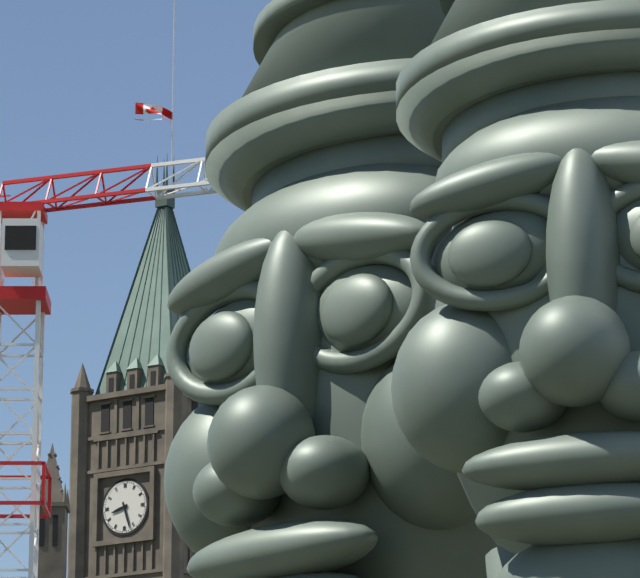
8:27
